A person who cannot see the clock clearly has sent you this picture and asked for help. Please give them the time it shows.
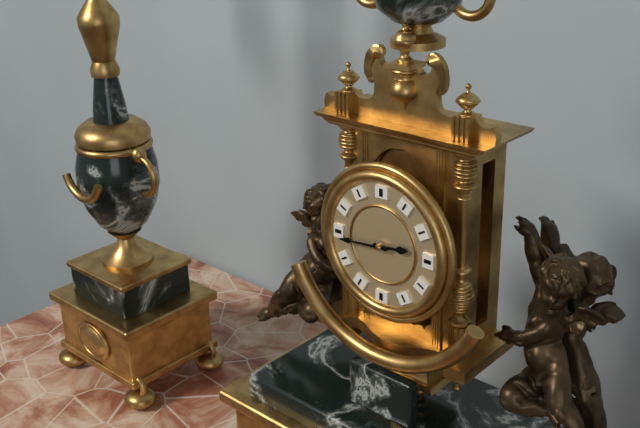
2:44
